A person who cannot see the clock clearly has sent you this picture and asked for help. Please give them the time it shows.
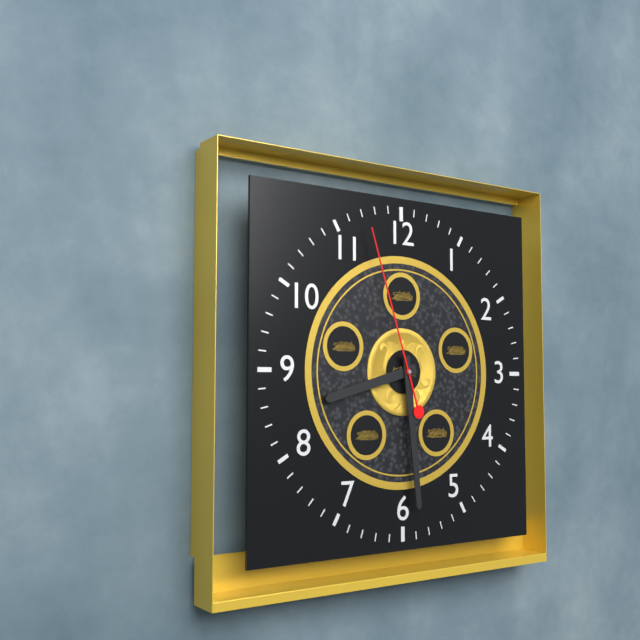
8:29:57
